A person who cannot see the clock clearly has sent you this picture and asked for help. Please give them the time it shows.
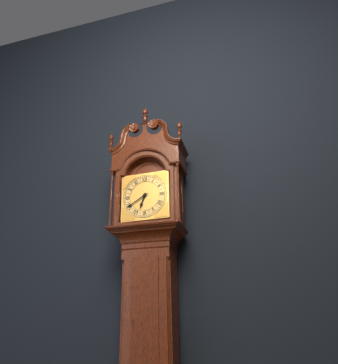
6:40
